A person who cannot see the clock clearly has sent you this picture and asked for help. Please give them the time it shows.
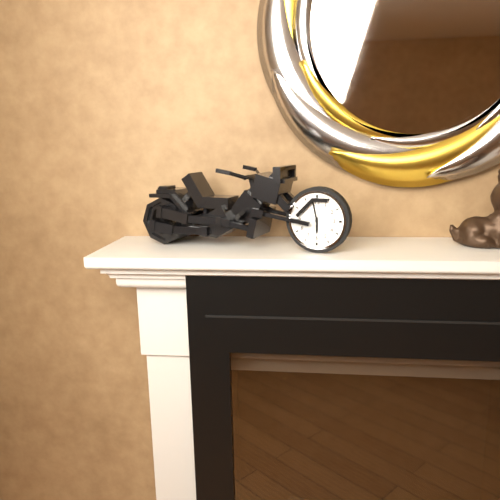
5:58
